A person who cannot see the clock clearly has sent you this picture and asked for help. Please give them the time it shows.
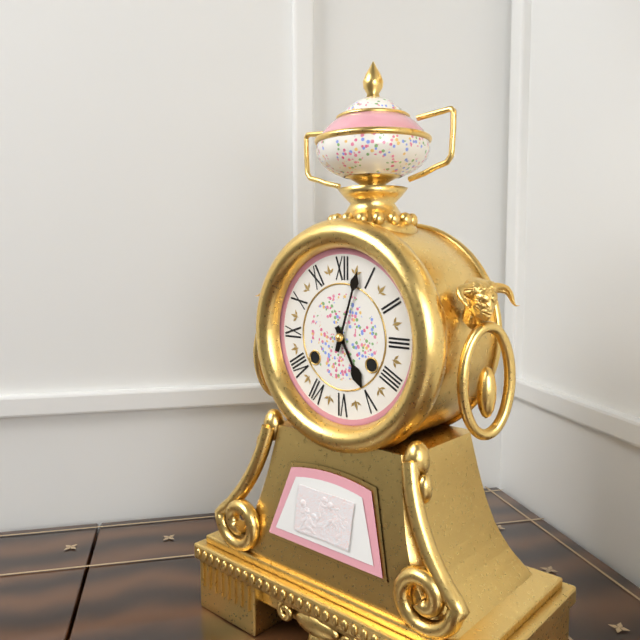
5:03
